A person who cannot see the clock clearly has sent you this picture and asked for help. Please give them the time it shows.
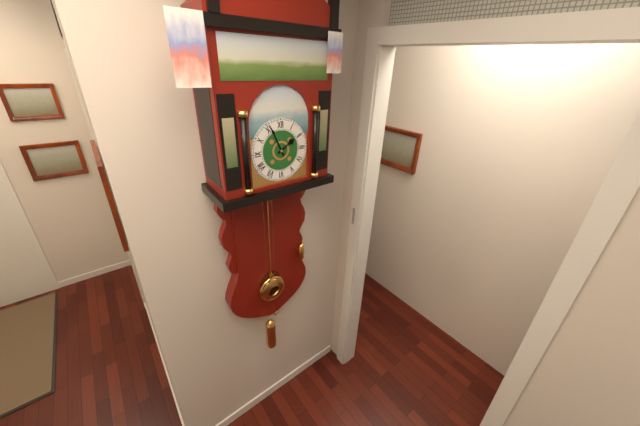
1:56
